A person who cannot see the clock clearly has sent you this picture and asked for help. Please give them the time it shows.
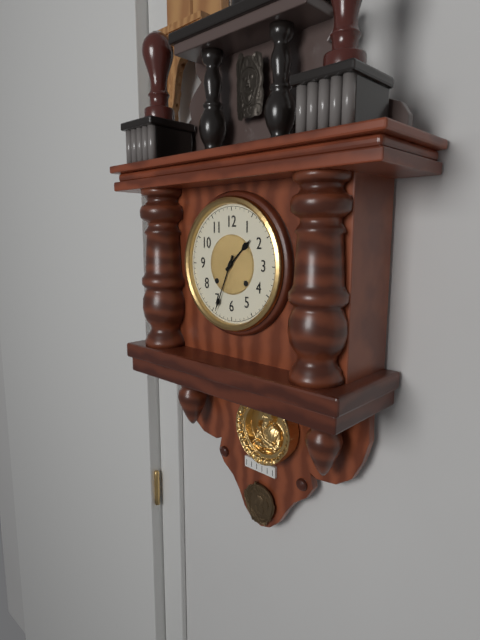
1:34
